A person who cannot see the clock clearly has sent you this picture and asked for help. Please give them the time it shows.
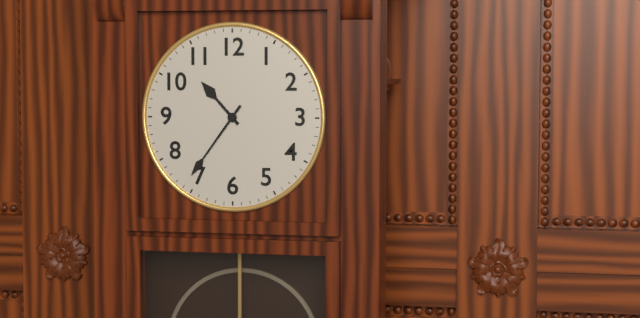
10:36
